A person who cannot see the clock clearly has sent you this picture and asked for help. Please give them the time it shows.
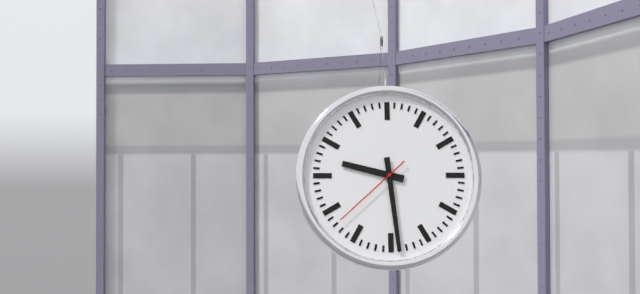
9:29:38
